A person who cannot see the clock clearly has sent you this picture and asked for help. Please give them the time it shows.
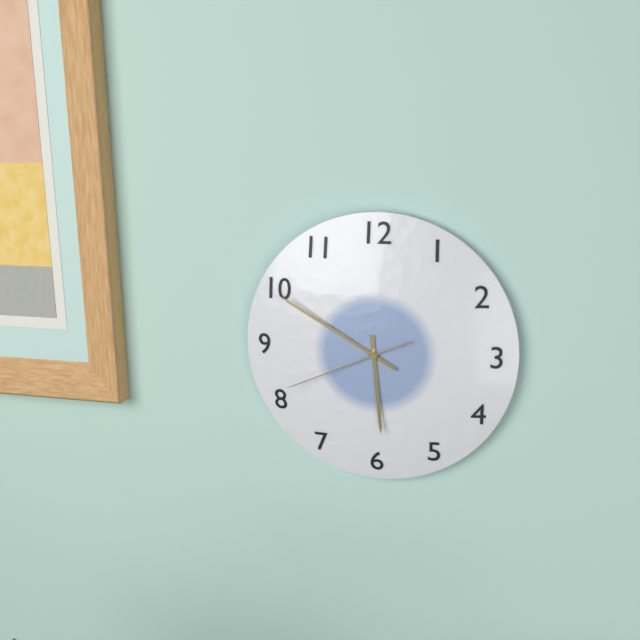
5:50:41
